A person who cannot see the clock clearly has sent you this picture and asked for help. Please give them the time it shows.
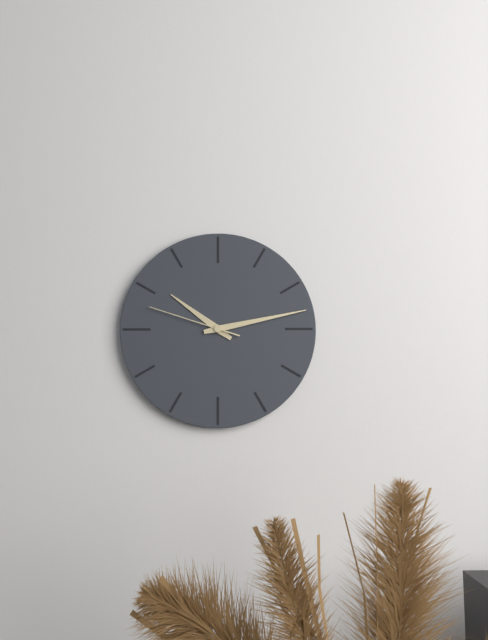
10:13:48
